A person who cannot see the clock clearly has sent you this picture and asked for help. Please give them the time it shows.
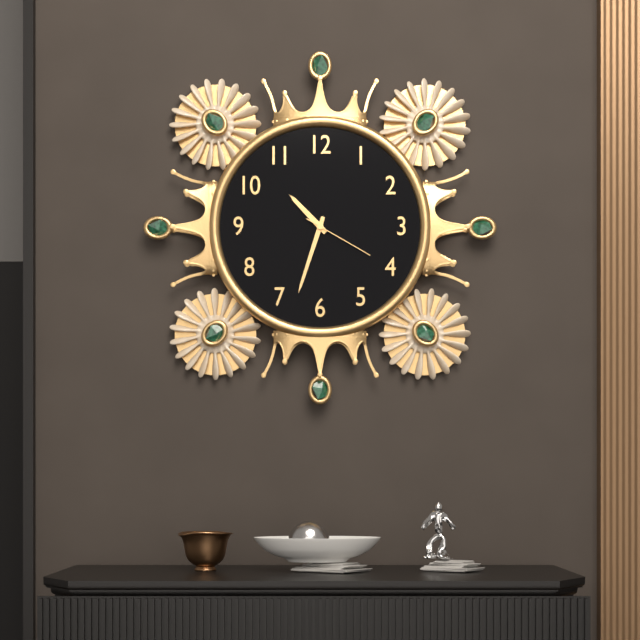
10:33:20
